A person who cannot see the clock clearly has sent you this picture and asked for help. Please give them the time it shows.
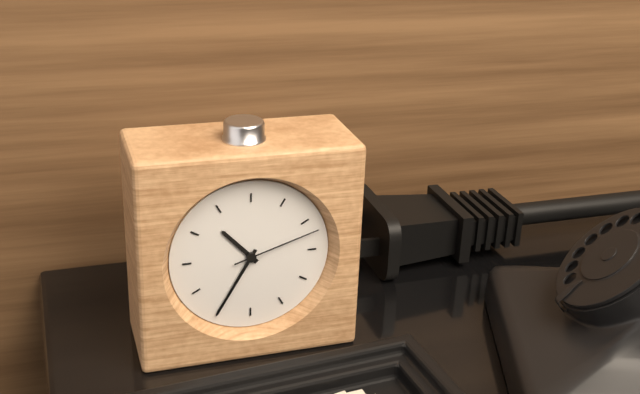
10:35:12
